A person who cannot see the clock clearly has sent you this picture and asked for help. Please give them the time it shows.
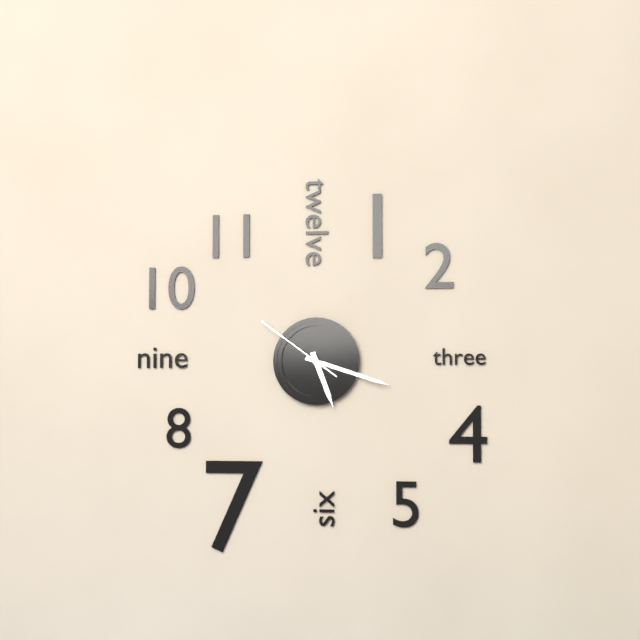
5:18:51
